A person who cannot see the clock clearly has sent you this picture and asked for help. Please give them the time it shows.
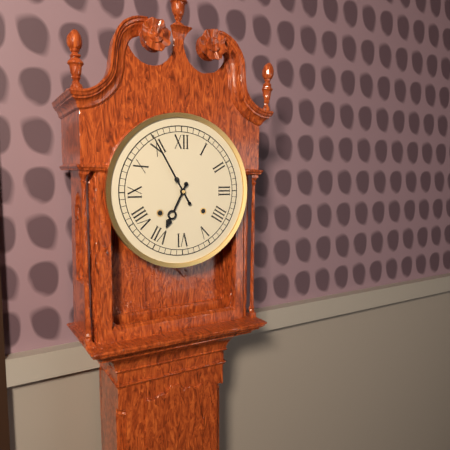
6:55
